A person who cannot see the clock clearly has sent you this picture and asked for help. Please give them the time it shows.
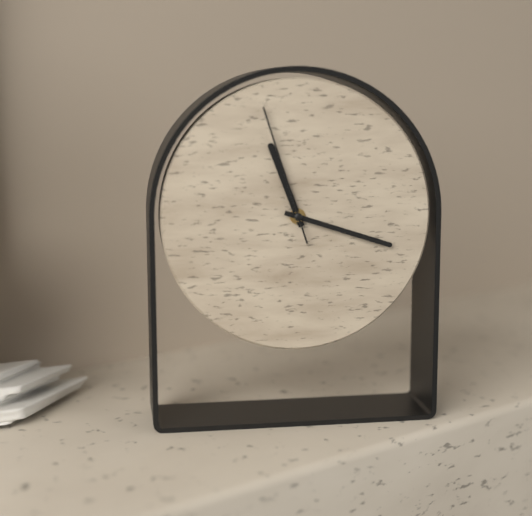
11:18:57
